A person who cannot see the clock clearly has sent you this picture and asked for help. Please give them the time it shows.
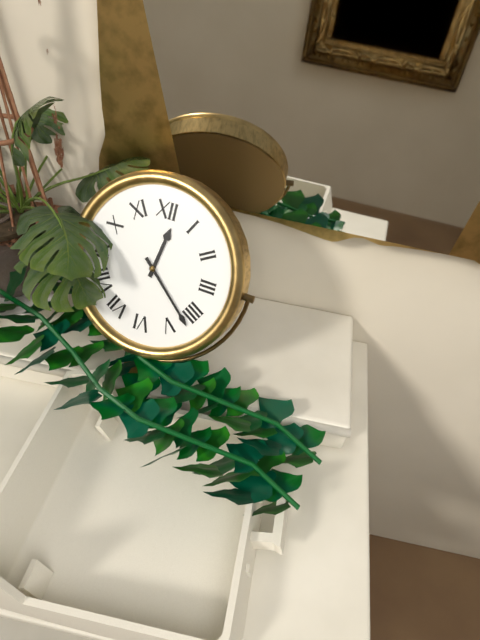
12:22
